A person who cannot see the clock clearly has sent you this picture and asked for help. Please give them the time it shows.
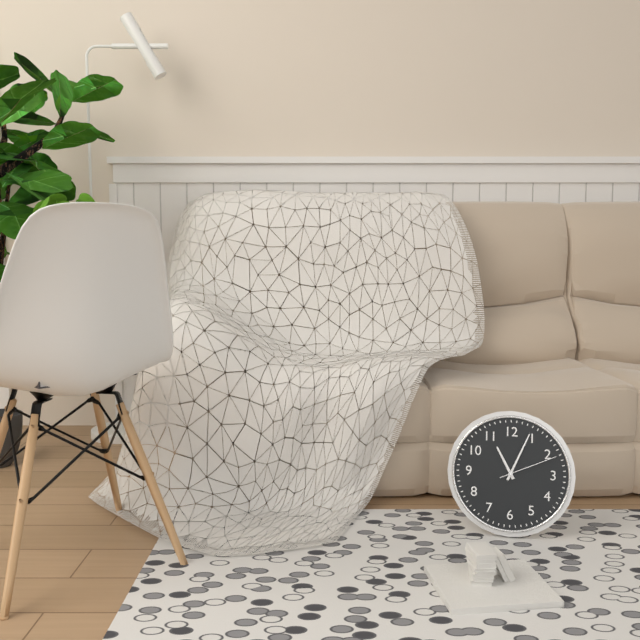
11:04:11
